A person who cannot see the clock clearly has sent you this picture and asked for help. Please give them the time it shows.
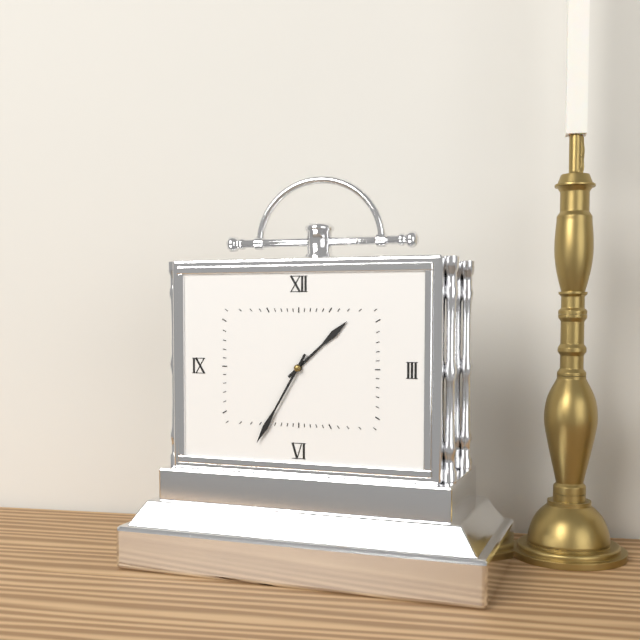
1:35
